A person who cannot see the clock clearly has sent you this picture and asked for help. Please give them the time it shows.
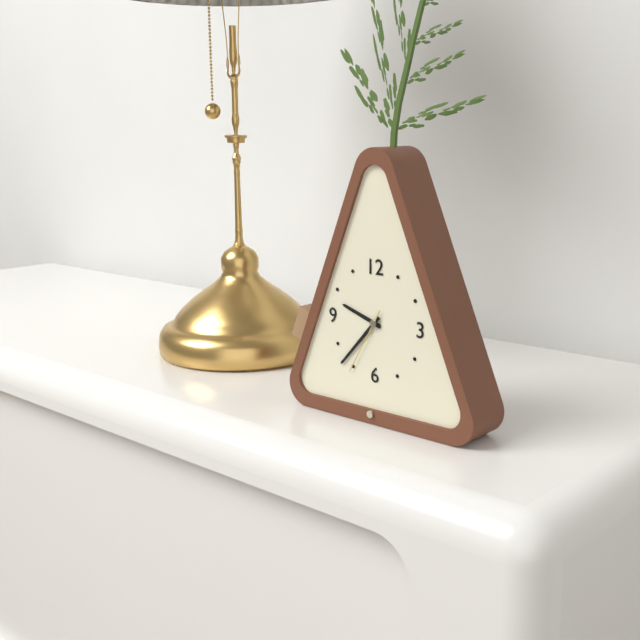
9:37:35
